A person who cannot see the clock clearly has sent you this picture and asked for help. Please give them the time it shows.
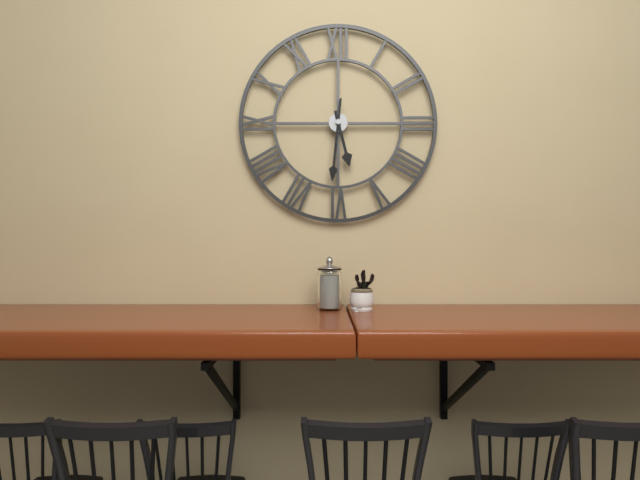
5:31
